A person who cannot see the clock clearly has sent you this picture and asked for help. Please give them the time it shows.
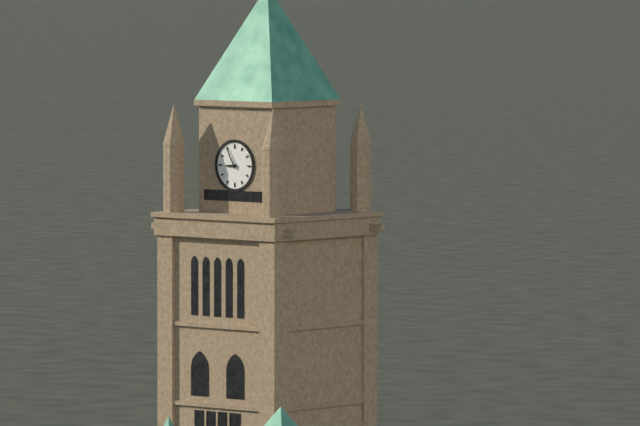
8:55
